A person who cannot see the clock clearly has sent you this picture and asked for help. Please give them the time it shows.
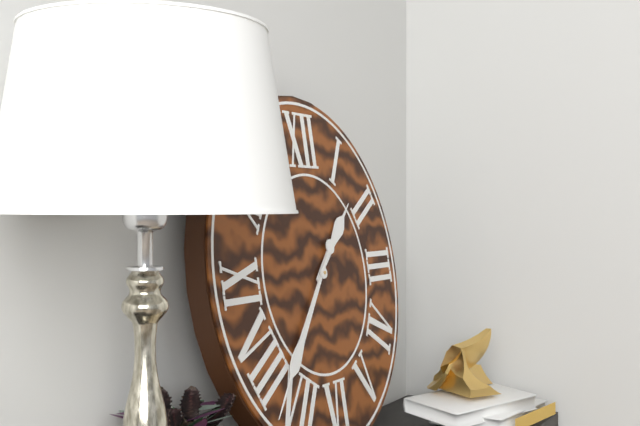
1:37
